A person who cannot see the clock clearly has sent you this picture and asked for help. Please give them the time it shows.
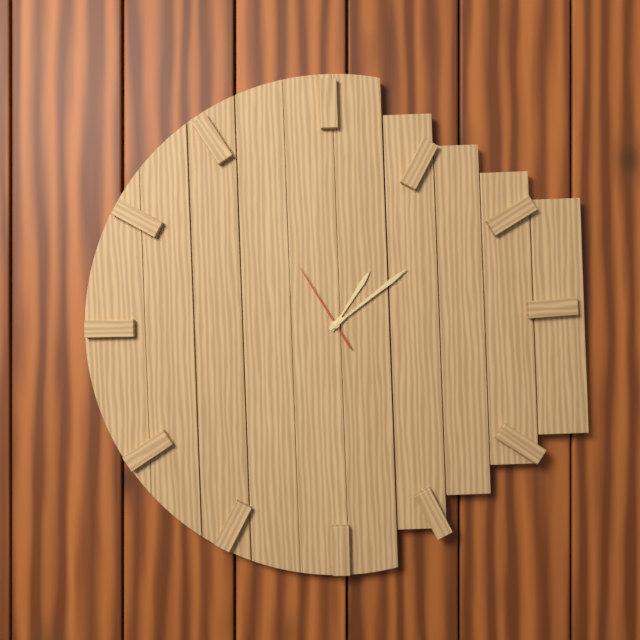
1:09:55
